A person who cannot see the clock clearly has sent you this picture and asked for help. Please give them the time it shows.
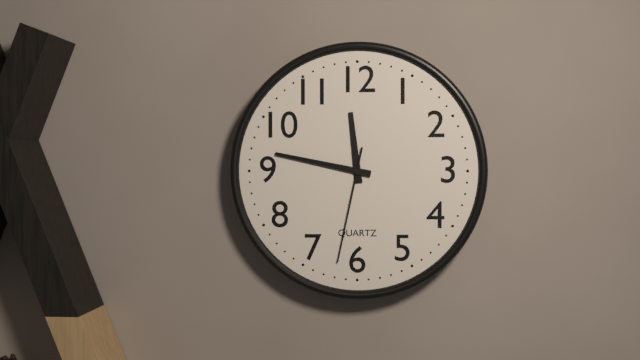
11:47:32
